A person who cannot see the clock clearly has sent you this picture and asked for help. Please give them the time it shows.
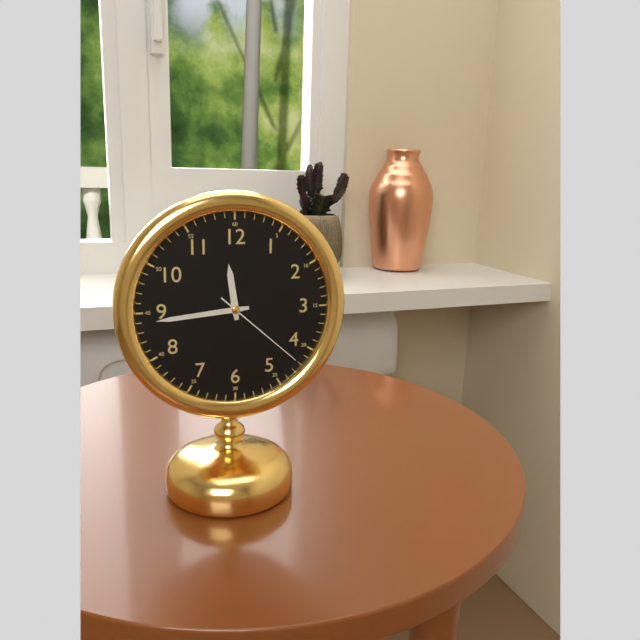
11:44:22
